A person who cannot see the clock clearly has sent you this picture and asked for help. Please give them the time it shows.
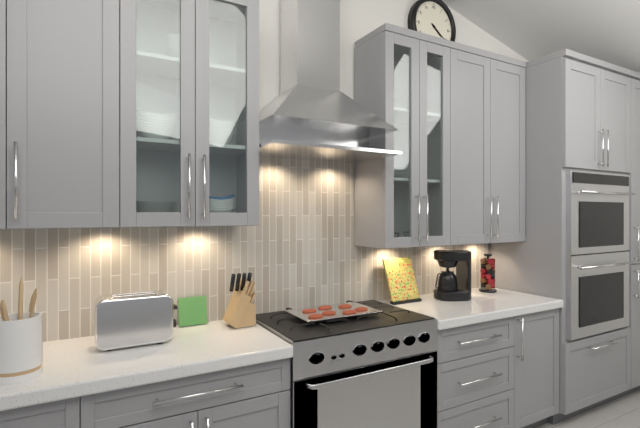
4:21
